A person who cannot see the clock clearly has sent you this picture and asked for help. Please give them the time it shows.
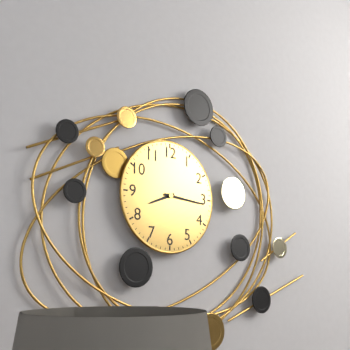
8:16
